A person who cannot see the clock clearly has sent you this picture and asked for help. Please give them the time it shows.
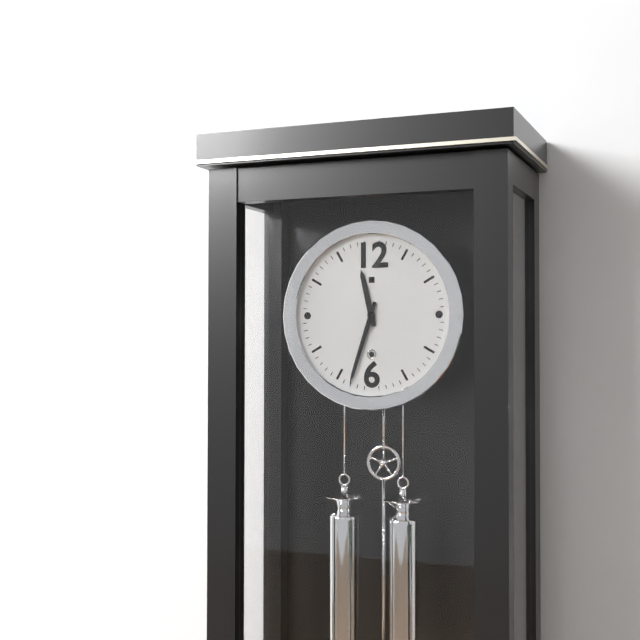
11:33
